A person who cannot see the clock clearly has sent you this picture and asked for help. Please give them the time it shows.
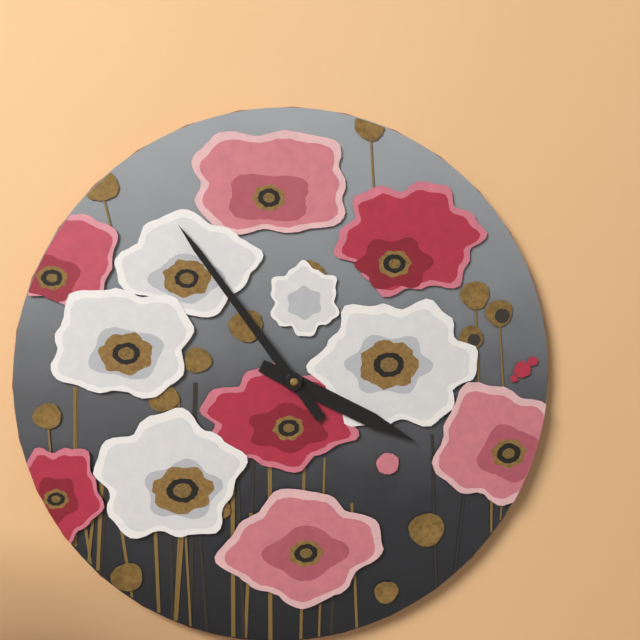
3:54
